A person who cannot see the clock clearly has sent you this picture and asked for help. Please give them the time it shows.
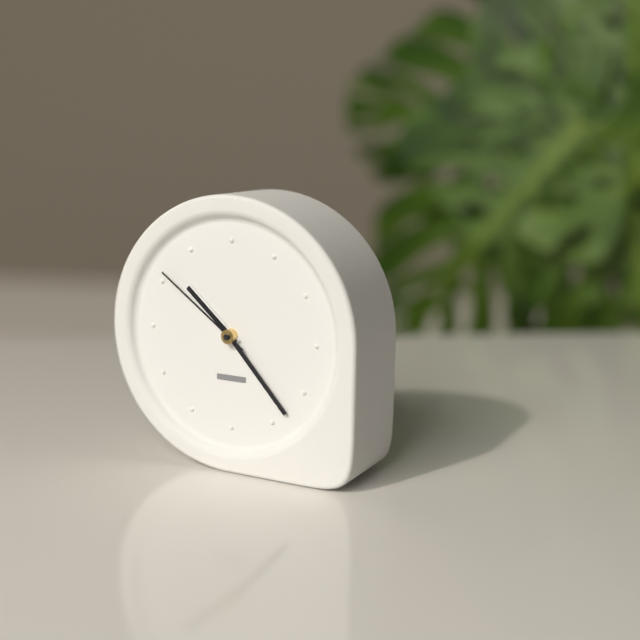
10:23:51
